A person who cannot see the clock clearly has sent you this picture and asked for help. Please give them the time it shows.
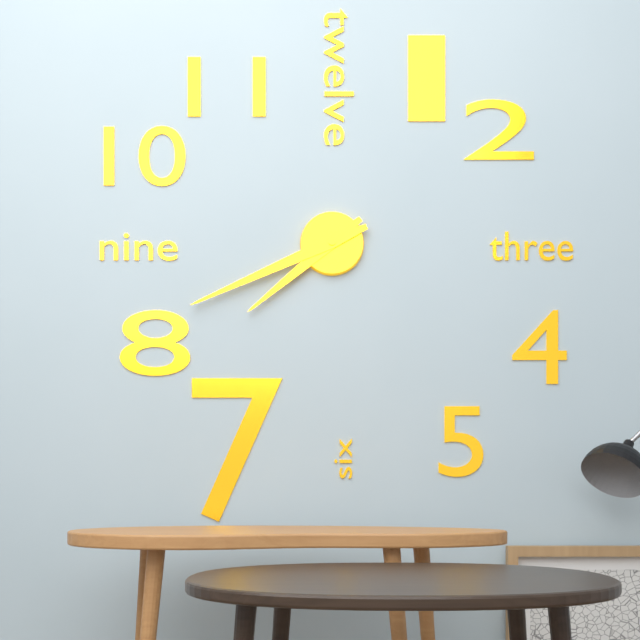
7:41
